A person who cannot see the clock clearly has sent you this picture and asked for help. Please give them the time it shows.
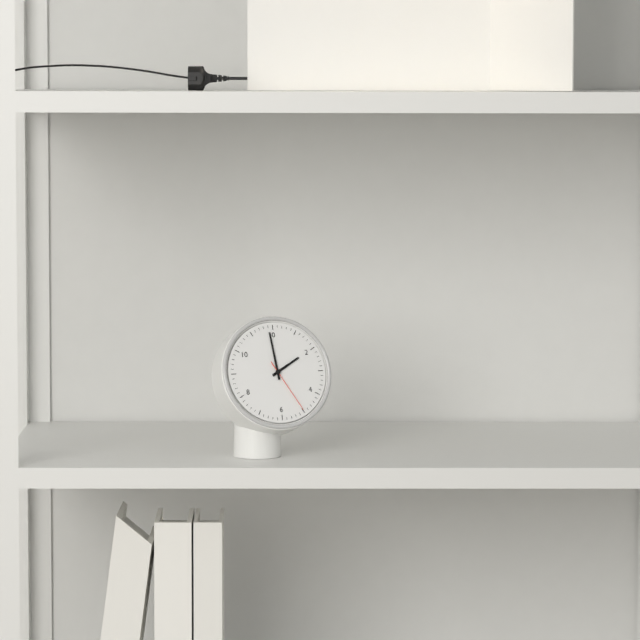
1:59:25
